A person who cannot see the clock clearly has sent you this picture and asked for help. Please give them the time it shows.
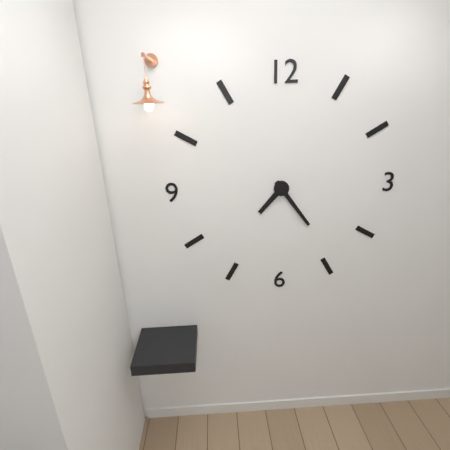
7:24
